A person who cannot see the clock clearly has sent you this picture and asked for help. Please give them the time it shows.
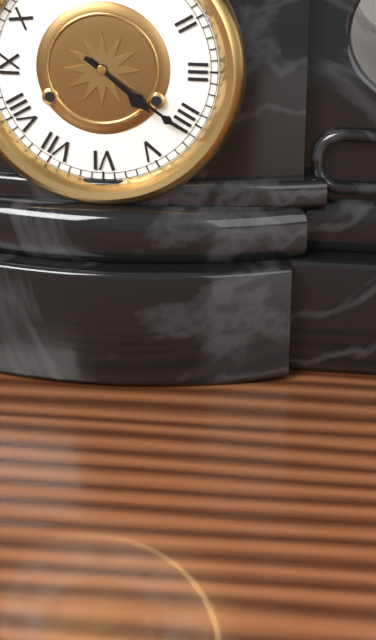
4:21
